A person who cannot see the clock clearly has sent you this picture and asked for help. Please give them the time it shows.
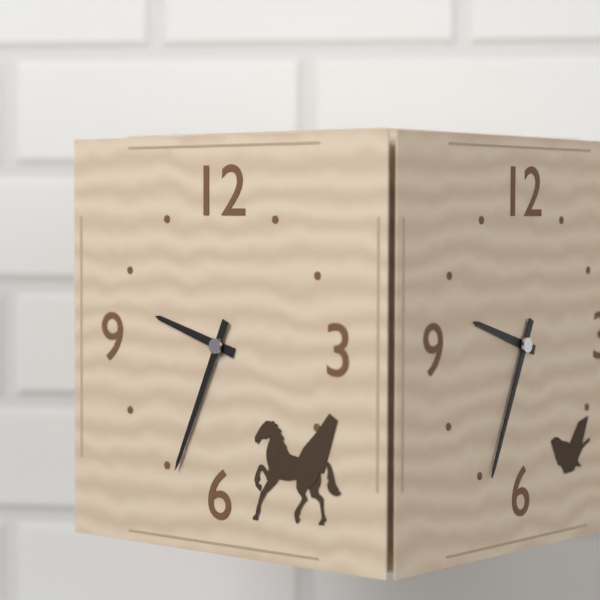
9:34
